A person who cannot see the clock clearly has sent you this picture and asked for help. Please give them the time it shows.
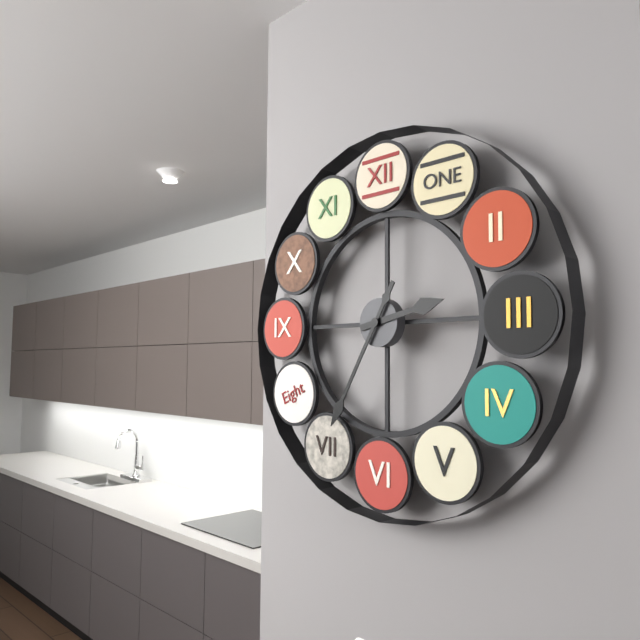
2:35
